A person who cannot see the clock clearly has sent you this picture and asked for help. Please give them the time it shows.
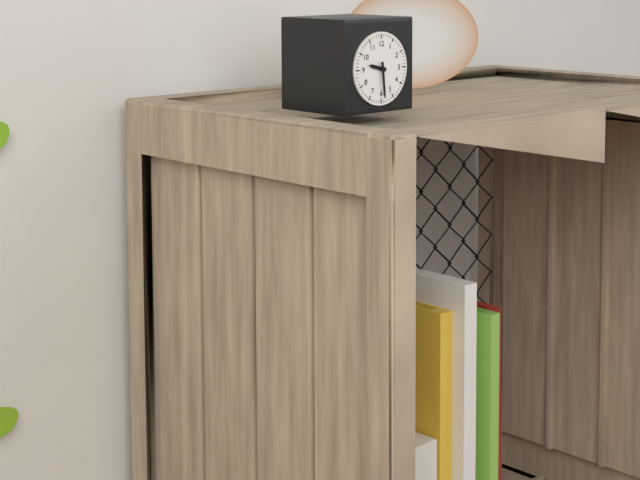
9:29
